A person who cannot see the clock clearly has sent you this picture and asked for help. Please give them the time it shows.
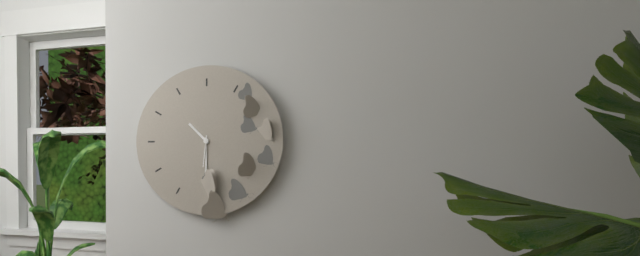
10:30
